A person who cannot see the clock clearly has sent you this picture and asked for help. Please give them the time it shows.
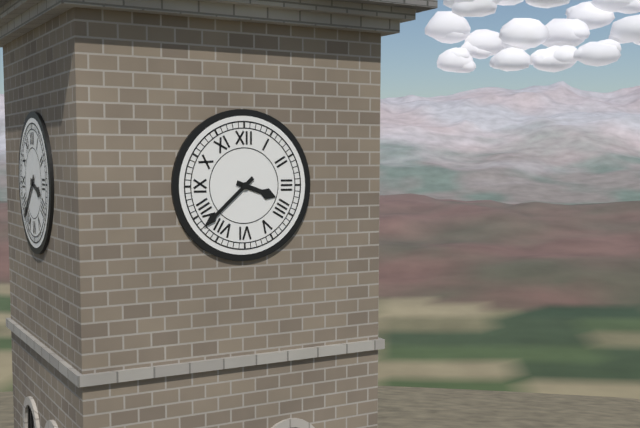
3:38
